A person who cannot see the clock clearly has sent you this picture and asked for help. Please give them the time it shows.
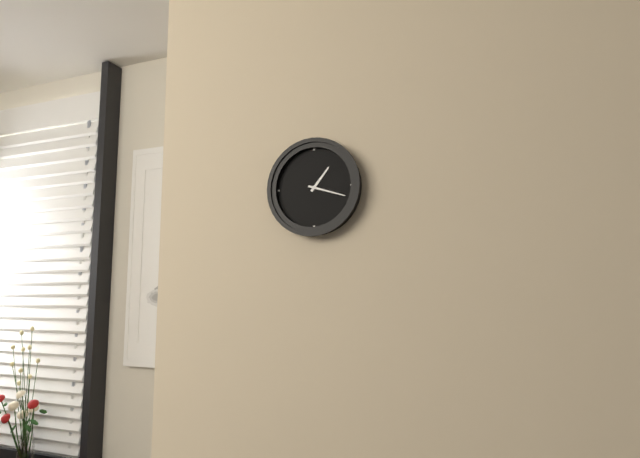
1:18
